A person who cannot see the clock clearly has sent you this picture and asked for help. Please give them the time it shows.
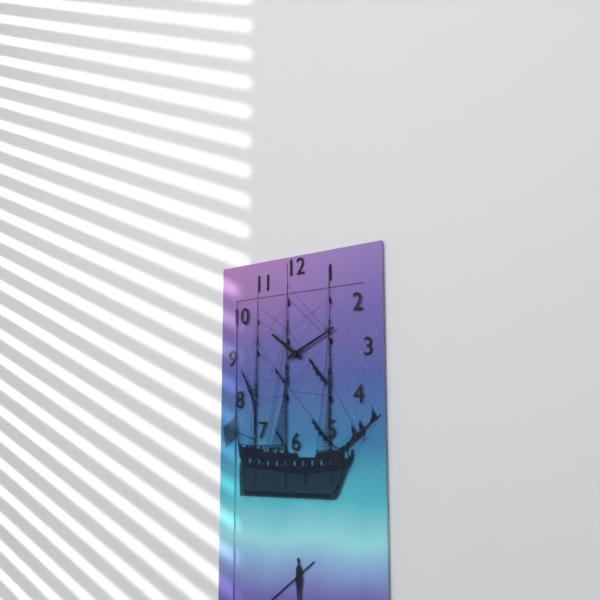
10:11
